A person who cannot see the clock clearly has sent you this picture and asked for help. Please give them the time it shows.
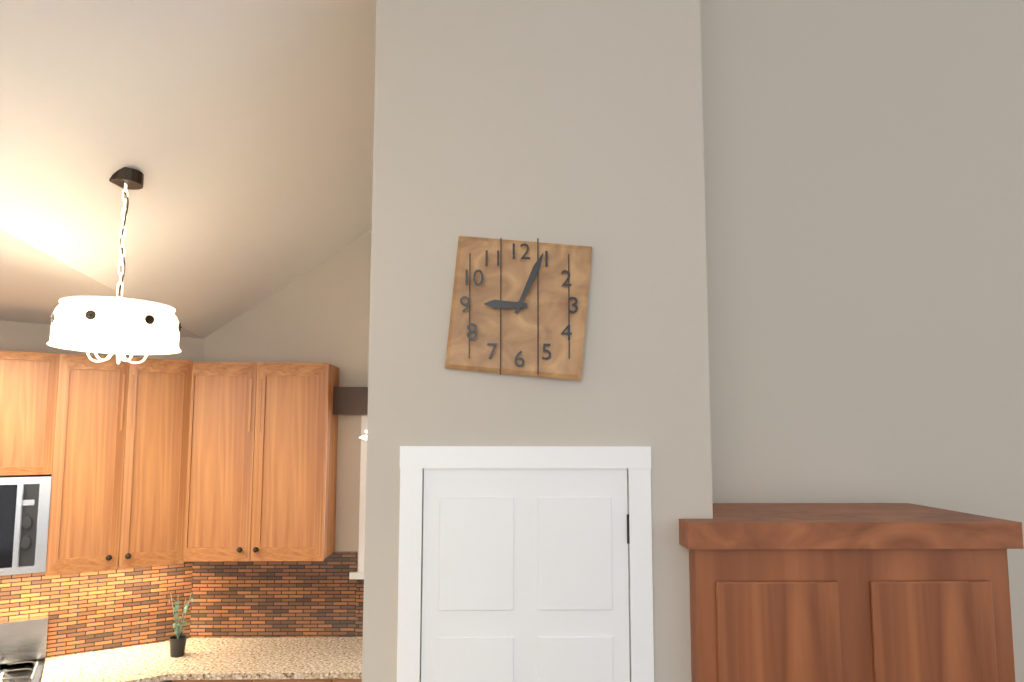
9:04
